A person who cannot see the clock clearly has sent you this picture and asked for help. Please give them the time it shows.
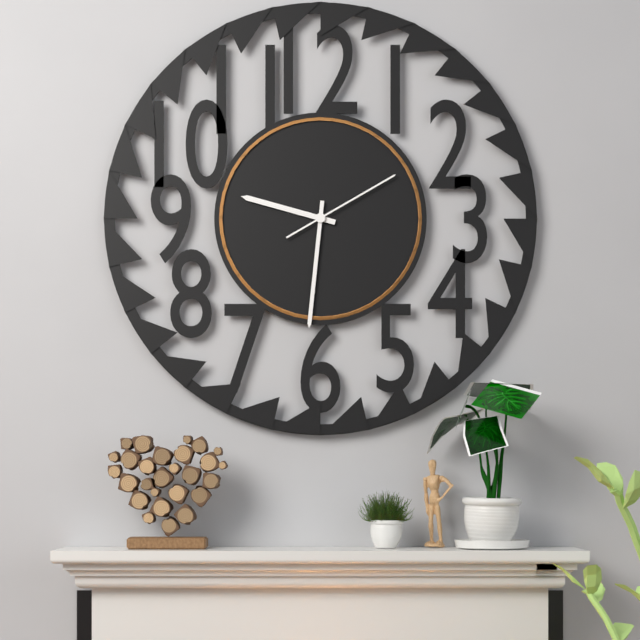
9:31:10
